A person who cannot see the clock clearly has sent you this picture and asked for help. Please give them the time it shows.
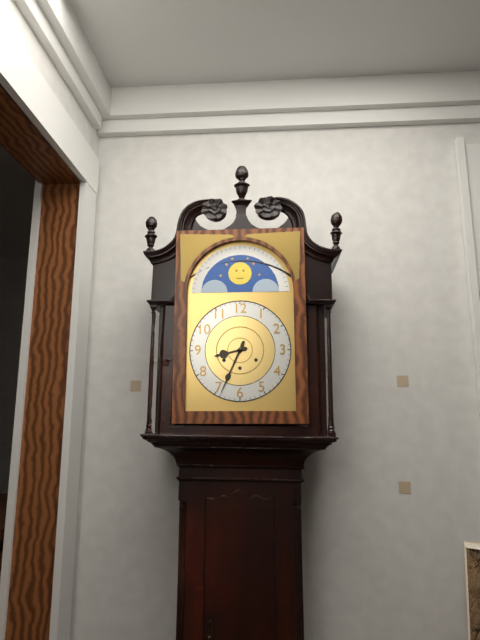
8:34
